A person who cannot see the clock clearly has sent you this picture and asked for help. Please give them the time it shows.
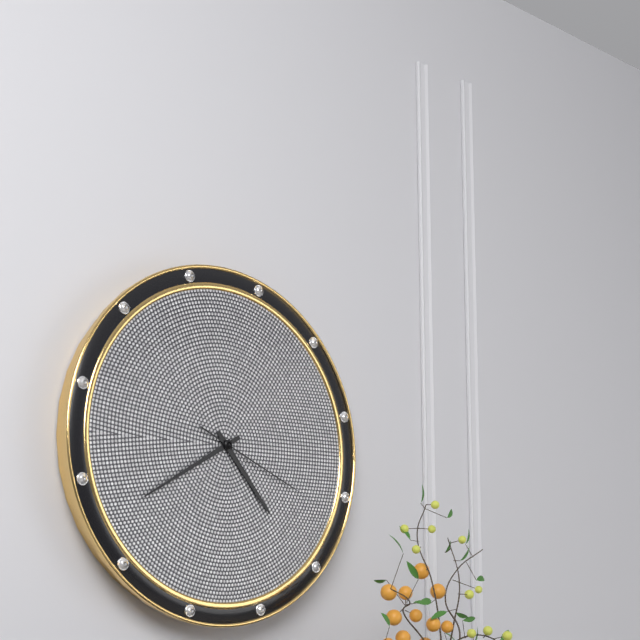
4:40:19
